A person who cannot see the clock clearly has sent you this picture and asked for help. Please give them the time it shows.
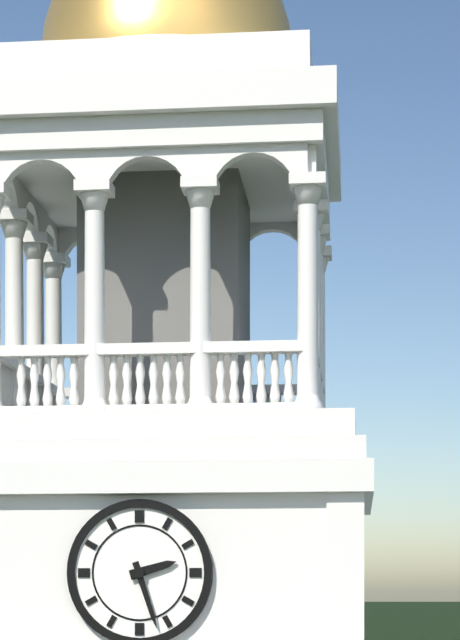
2:27
